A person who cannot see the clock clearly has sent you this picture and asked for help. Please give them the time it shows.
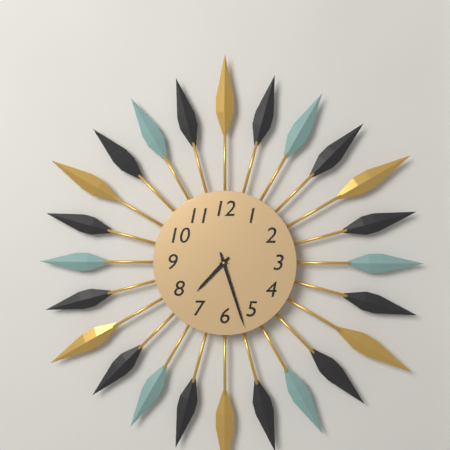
7:27
